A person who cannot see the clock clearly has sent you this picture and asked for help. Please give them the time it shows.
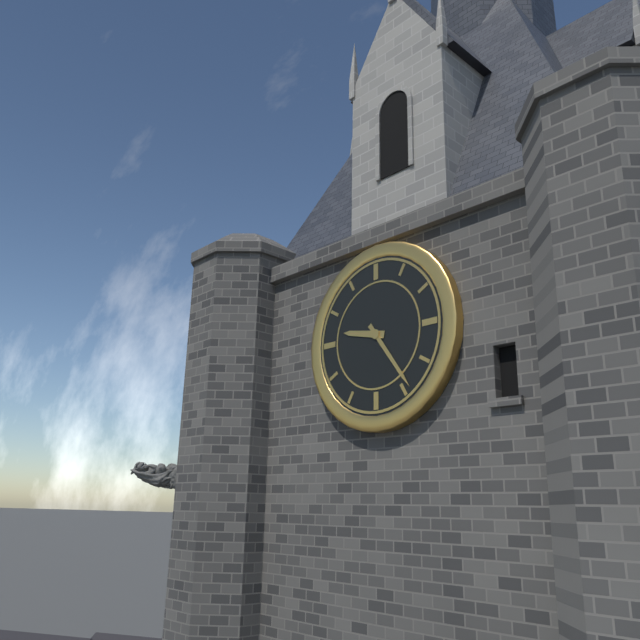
9:24
